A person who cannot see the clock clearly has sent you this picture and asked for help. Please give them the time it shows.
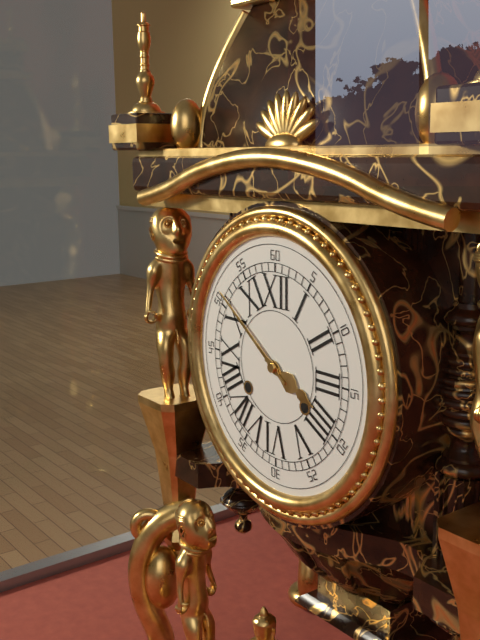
3:51
